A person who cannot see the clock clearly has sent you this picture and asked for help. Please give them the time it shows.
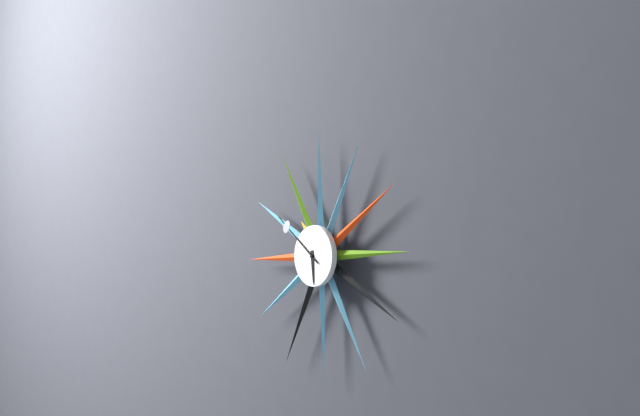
5:51
